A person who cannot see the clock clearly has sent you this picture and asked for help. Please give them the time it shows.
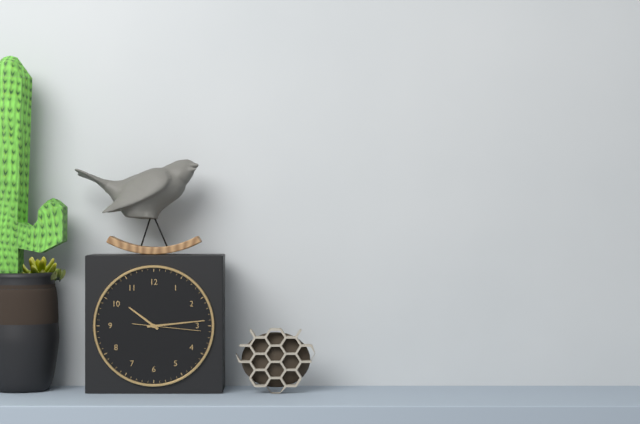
10:14:16
